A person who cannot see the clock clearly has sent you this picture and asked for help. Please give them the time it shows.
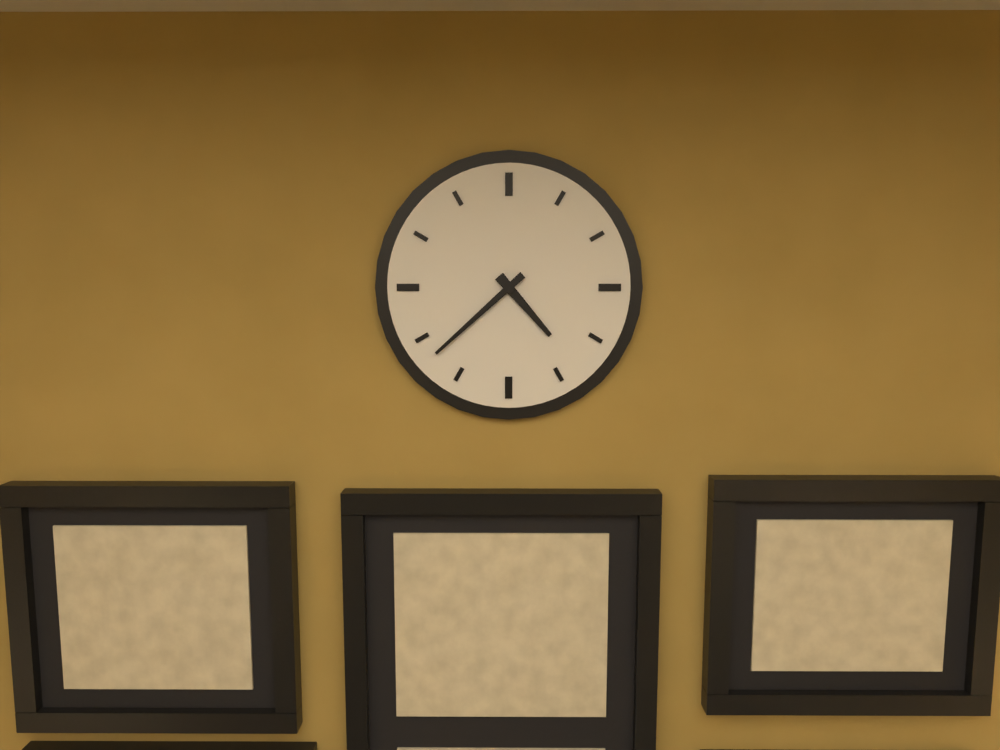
4:38
